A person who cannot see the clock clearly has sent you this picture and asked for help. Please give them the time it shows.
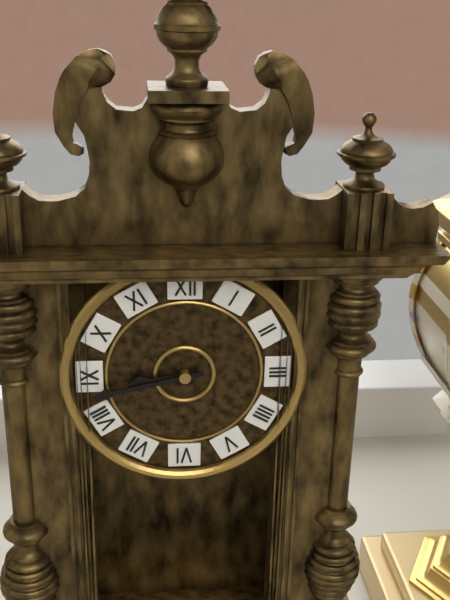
8:43
